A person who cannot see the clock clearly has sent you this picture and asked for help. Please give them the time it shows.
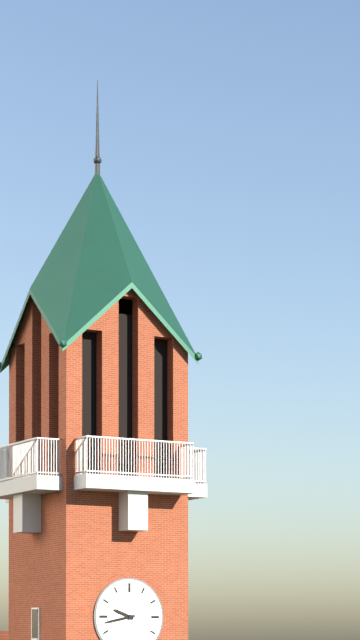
9:43
